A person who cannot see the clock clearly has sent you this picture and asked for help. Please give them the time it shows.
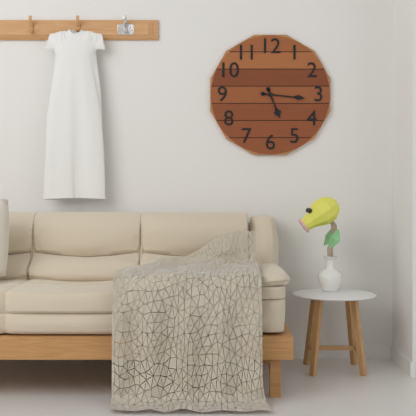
5:16
